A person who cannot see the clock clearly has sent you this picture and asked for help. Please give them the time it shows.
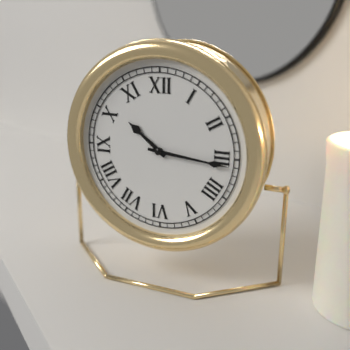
10:16
